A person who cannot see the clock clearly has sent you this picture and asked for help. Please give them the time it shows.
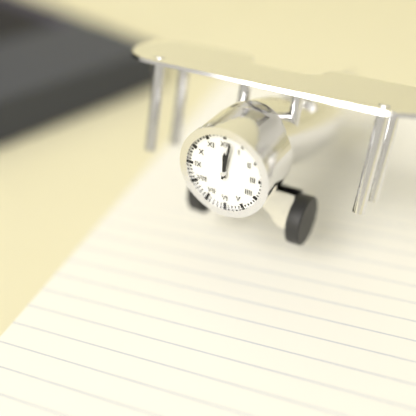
12:02
